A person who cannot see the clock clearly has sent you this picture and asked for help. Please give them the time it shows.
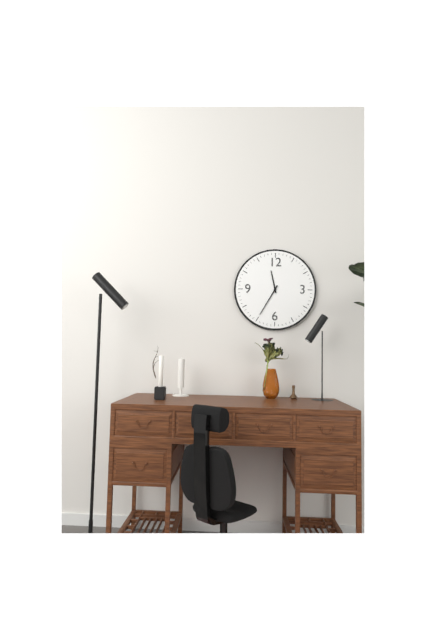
11:35
